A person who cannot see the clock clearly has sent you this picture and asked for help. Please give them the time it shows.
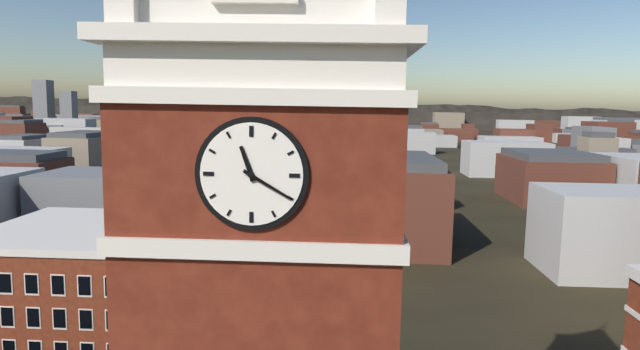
11:20
